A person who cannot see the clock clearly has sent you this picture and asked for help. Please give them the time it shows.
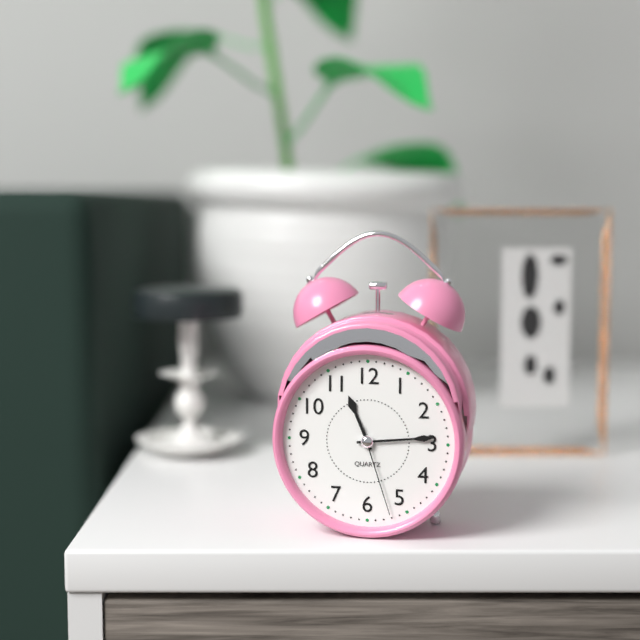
11:14:27
